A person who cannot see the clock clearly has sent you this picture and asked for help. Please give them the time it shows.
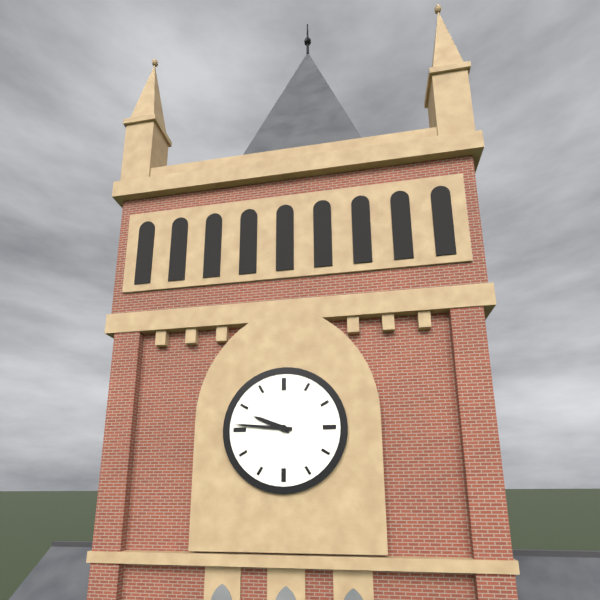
9:46
